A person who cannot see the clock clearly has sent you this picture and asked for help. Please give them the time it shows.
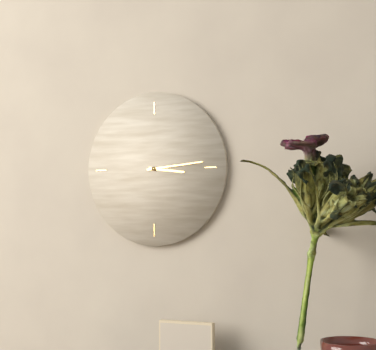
3:14
